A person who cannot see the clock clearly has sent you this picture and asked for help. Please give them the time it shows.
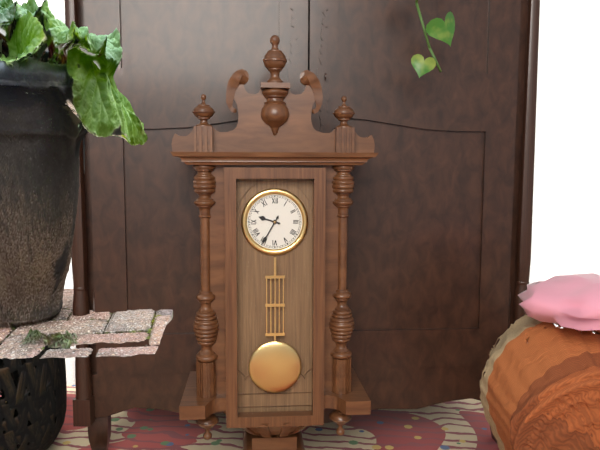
9:35
